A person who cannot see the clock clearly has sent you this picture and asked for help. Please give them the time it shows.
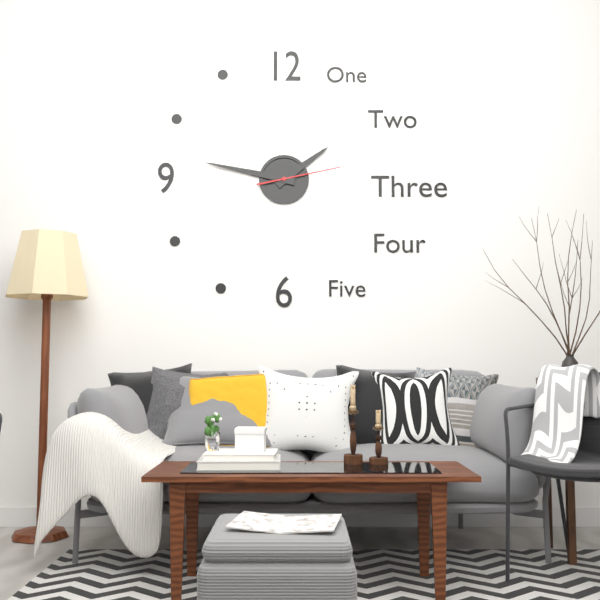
1:47:13
